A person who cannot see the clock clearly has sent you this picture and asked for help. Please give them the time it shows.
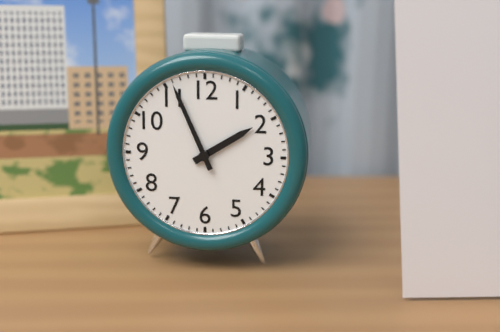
1:56
